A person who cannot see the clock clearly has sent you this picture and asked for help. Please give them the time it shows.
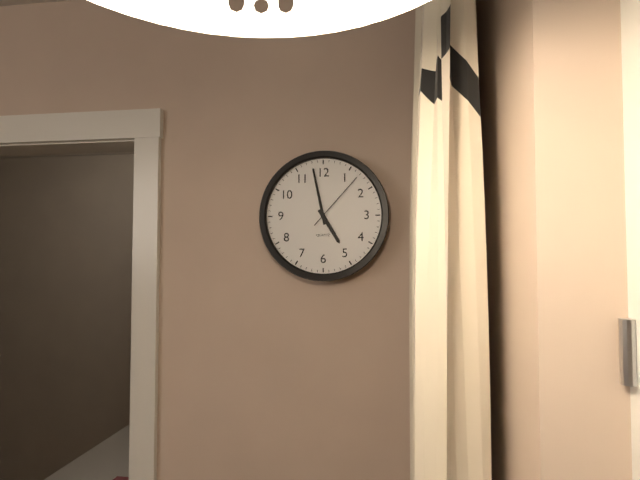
4:58:07
